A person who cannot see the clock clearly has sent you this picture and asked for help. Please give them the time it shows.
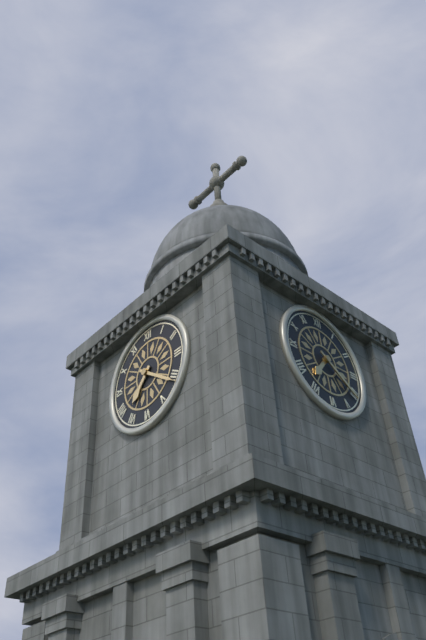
7:21
